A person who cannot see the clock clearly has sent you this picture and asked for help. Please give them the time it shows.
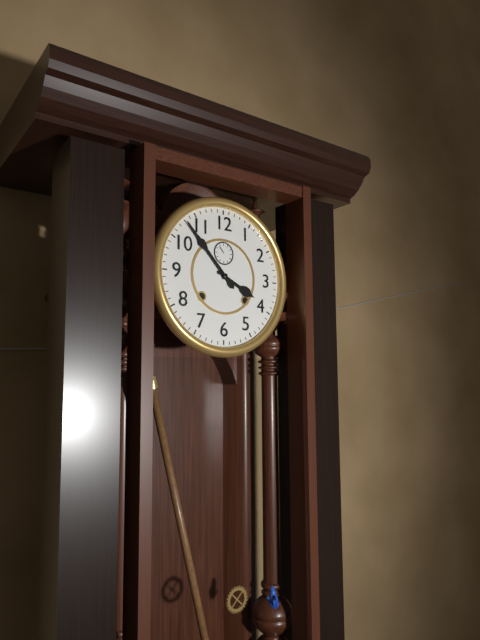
3:53
